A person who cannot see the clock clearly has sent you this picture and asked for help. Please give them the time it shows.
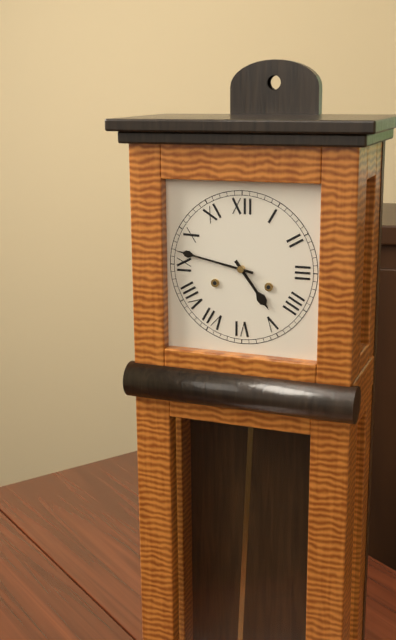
4:47
